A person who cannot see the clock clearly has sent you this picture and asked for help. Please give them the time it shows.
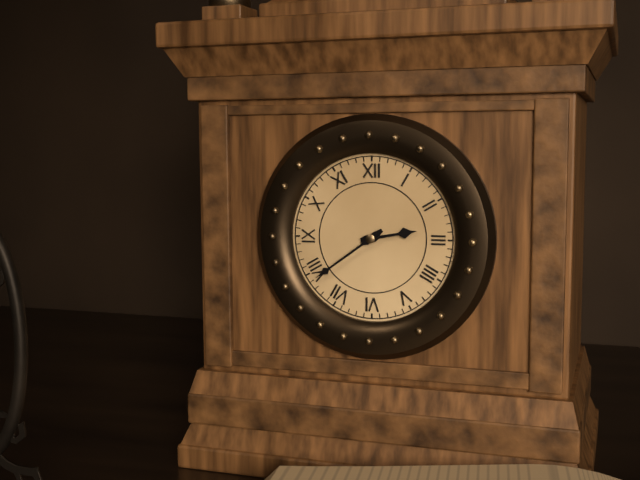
2:39
